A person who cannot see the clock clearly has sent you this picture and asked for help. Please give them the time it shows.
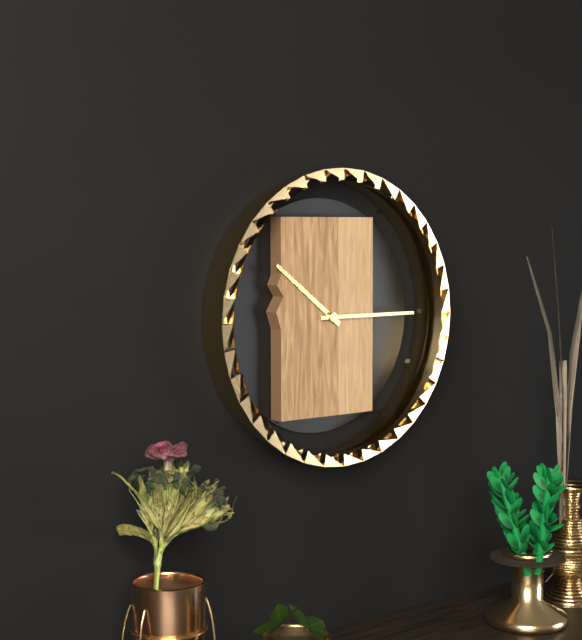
10:15
